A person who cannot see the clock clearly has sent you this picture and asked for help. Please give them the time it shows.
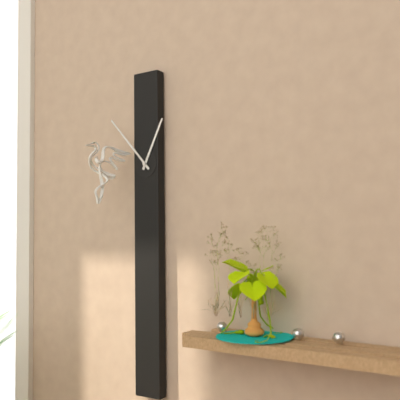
12:53
